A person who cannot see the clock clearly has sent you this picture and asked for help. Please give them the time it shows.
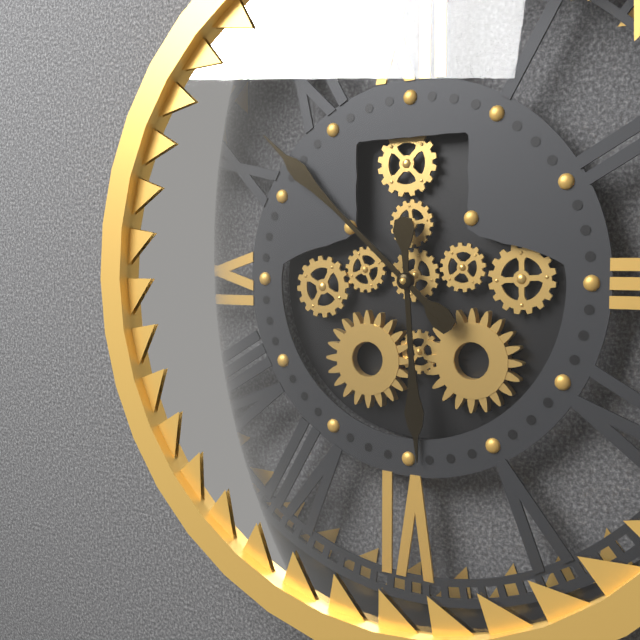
5:52
